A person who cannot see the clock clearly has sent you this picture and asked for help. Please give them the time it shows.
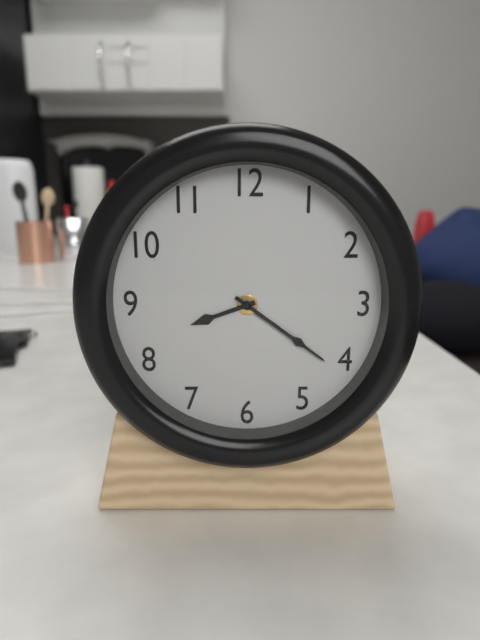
8:21
